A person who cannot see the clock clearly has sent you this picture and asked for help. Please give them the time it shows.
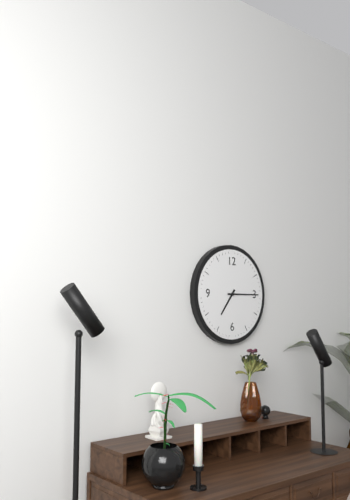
7:15
